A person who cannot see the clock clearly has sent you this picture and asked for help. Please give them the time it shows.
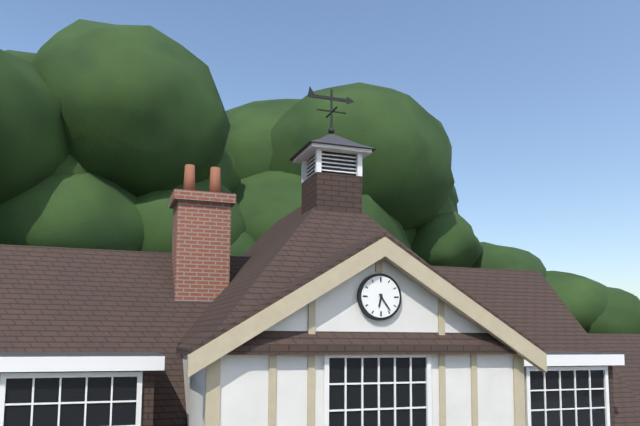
6:24
